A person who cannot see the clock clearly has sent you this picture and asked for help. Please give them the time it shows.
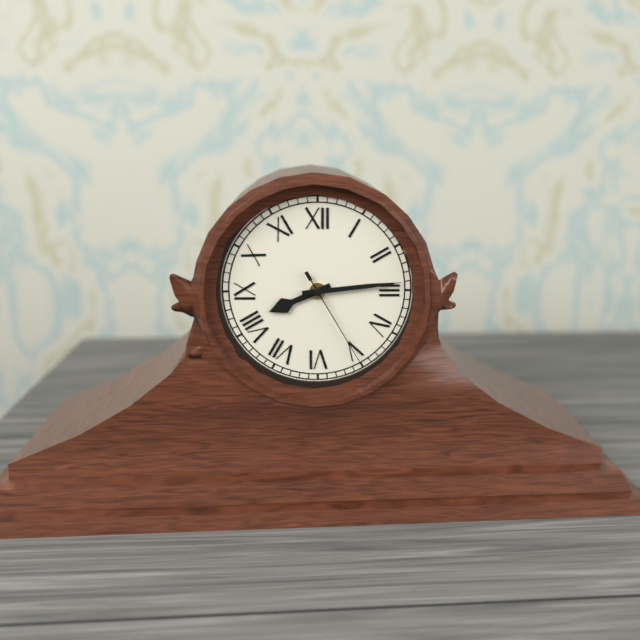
8:14:25
